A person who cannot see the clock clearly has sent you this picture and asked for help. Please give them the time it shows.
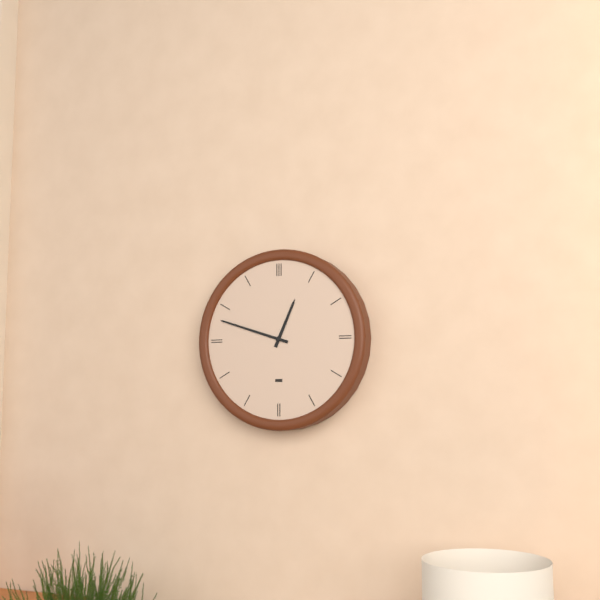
12:48
